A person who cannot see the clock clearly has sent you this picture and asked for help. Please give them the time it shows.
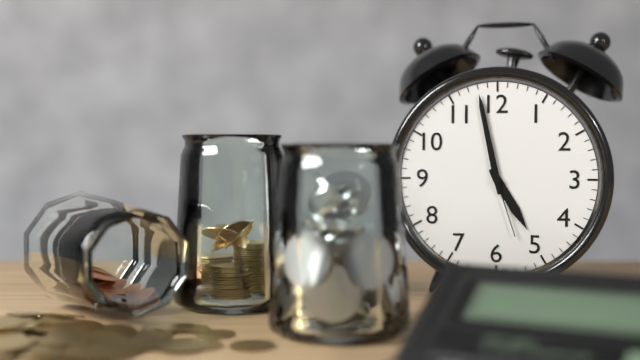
4:58:27
